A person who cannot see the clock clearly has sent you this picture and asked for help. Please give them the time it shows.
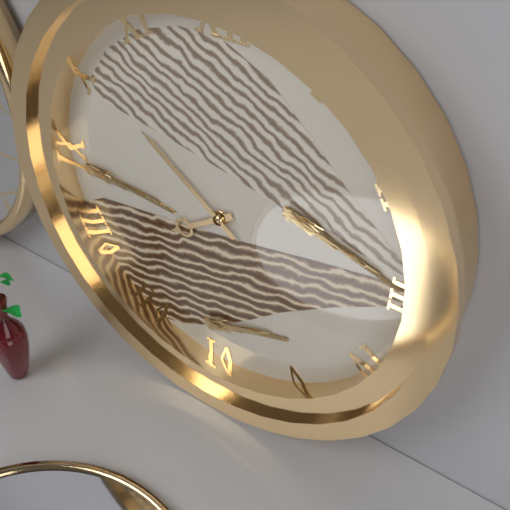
7:51
